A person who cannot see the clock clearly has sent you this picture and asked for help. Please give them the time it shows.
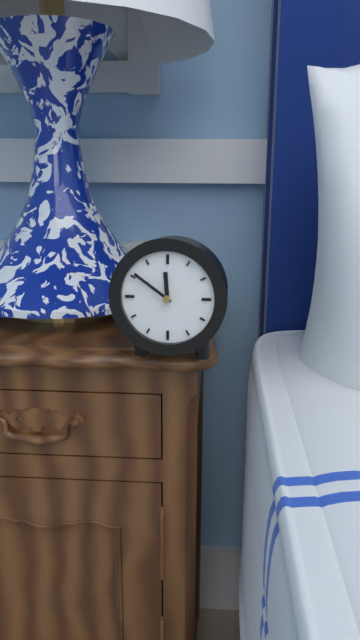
11:51
